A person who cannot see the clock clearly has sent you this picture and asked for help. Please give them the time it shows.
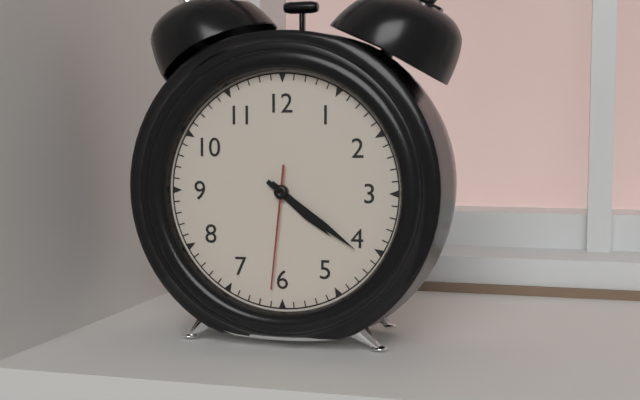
4:21:31
